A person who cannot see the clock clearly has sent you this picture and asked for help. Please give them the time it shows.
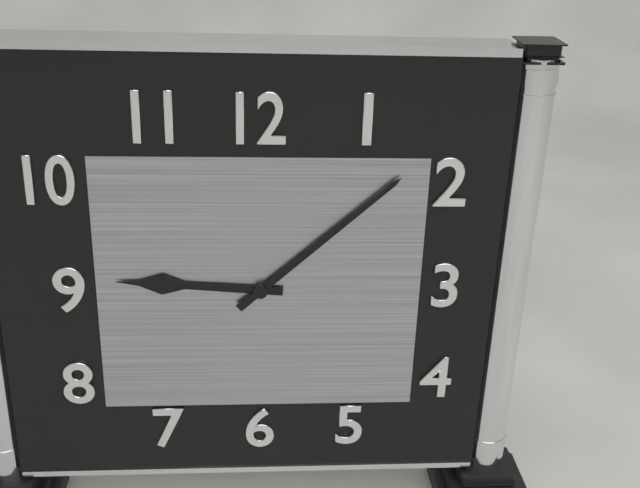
9:08
